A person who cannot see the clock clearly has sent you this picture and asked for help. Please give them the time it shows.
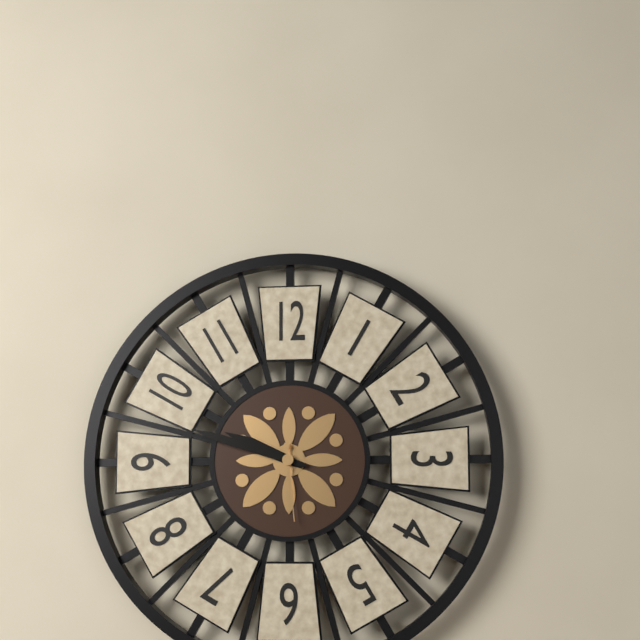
9:48:29
